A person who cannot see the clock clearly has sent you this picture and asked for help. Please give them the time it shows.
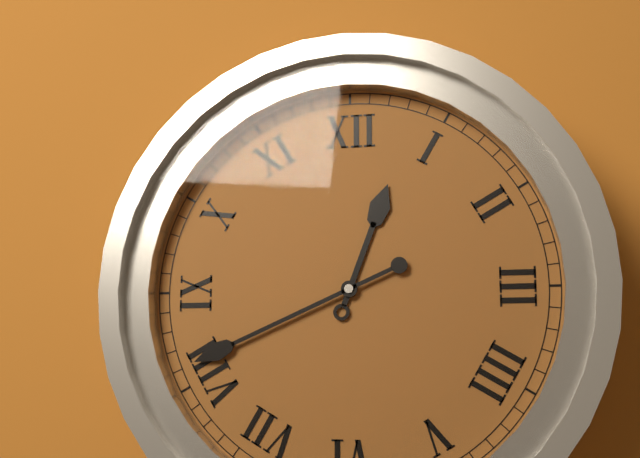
12:41
